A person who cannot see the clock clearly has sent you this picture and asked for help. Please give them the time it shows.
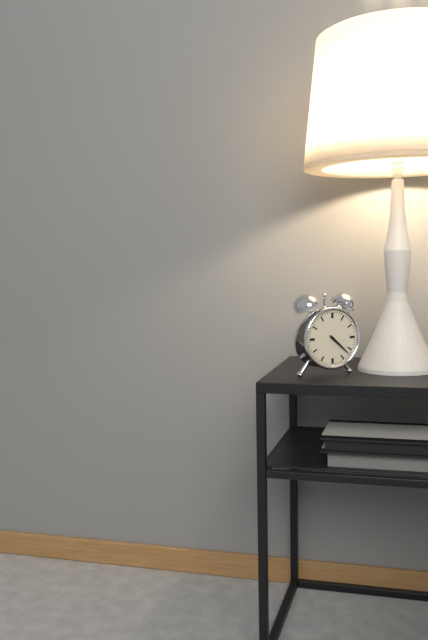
4:22
